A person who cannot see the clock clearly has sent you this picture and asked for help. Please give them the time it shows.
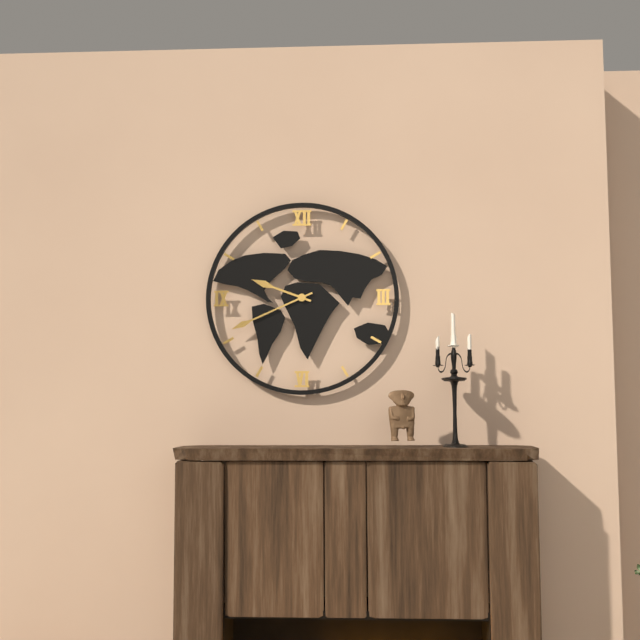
9:41
